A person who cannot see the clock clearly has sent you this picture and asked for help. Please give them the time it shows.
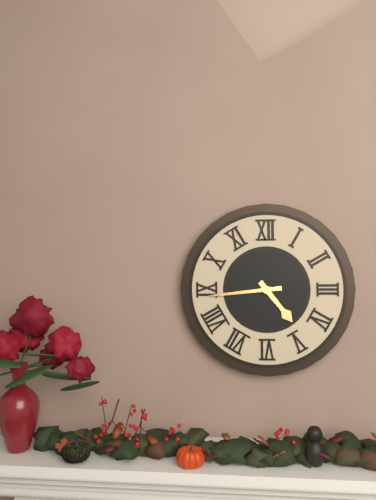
4:44
